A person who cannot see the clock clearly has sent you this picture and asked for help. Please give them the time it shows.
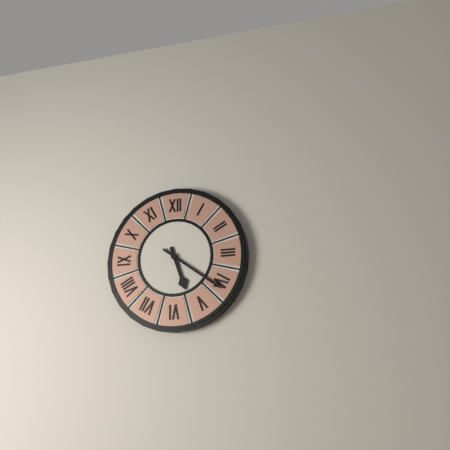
5:21
